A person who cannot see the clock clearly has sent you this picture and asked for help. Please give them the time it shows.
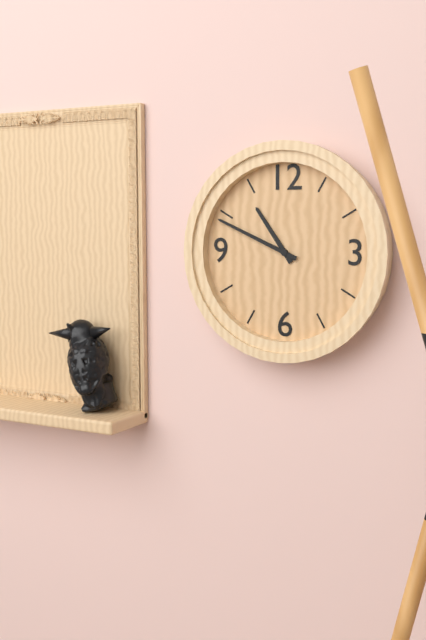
10:49
